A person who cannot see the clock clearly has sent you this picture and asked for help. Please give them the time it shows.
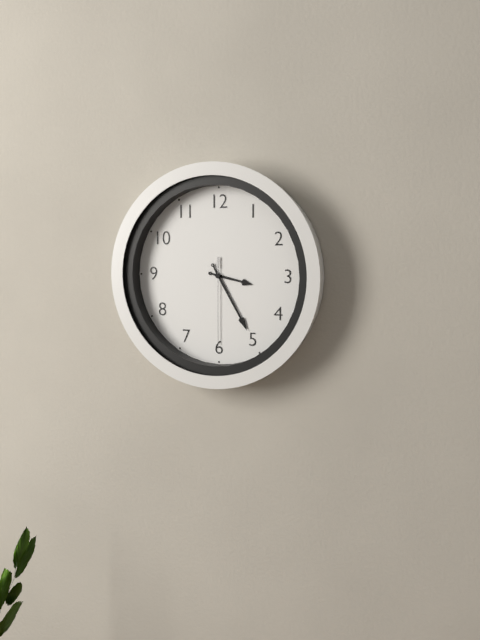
3:25:30
